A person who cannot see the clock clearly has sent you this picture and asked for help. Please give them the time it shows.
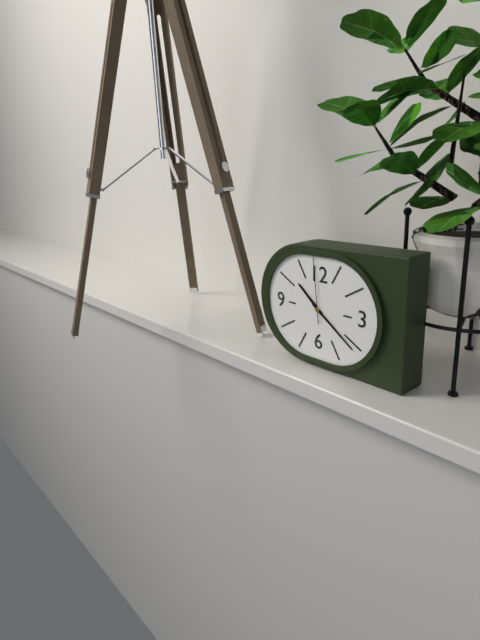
10:21:59
